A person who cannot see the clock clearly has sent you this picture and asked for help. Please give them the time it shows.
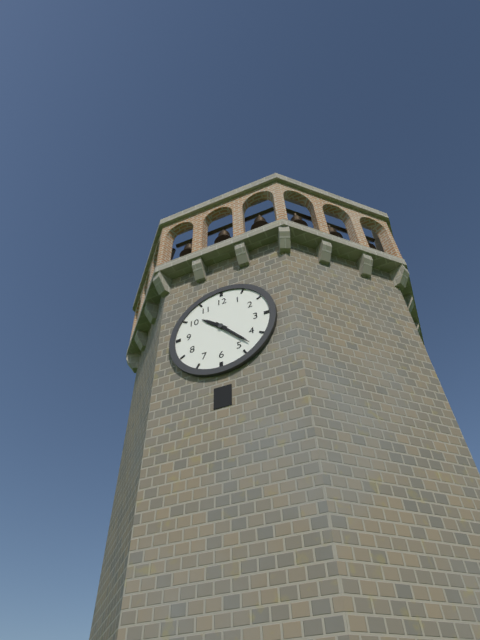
10:23
